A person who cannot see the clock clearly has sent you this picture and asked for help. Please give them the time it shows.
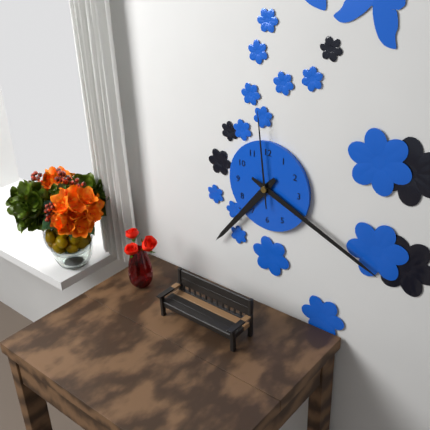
7:19:59
